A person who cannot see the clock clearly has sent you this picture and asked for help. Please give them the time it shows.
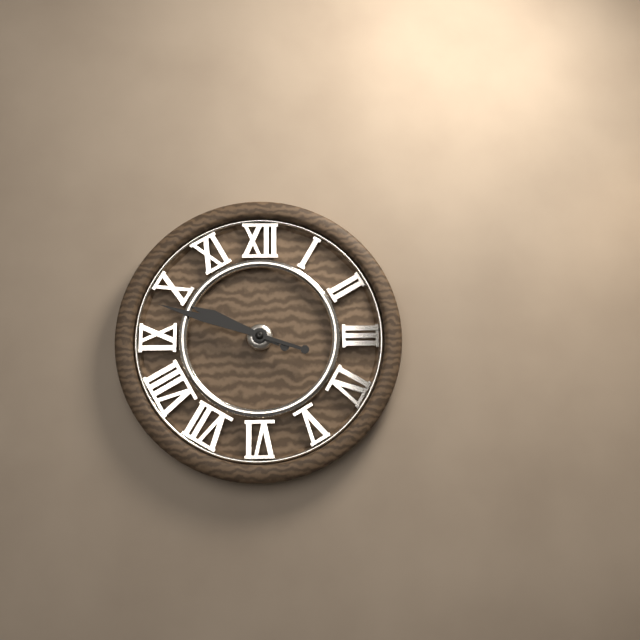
9:48
